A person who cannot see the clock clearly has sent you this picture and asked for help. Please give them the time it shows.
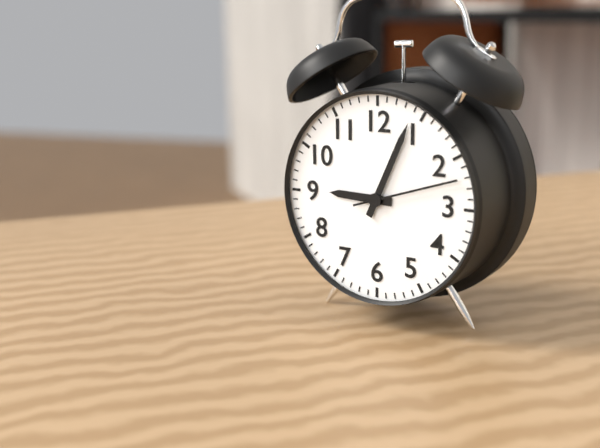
9:04:12
